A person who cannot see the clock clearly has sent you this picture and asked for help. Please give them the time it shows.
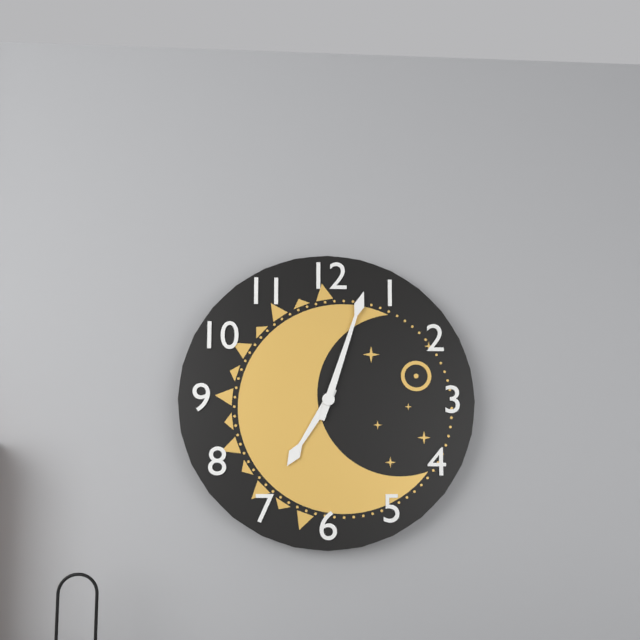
7:03
